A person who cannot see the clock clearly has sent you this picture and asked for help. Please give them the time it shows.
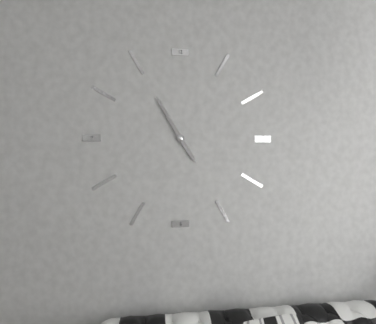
4:55
